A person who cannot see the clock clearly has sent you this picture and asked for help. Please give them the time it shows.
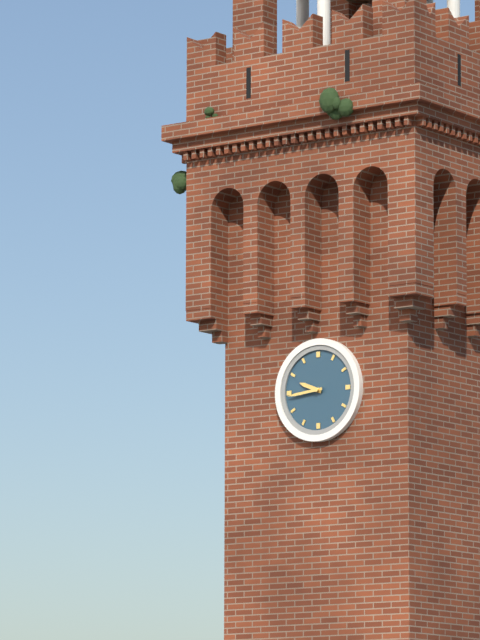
9:44
